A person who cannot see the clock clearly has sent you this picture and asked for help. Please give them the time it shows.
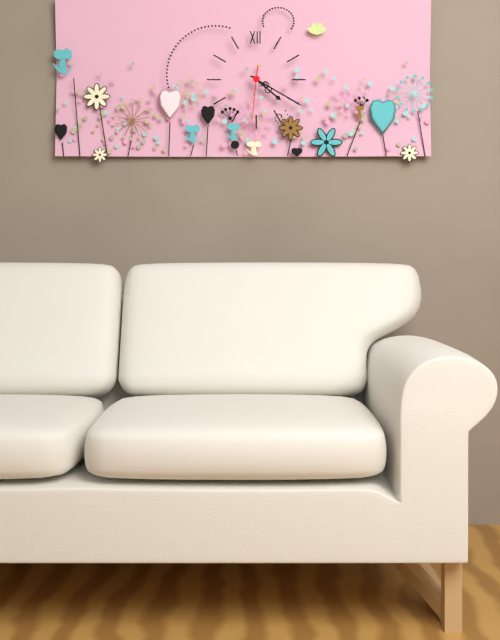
4:20:31
